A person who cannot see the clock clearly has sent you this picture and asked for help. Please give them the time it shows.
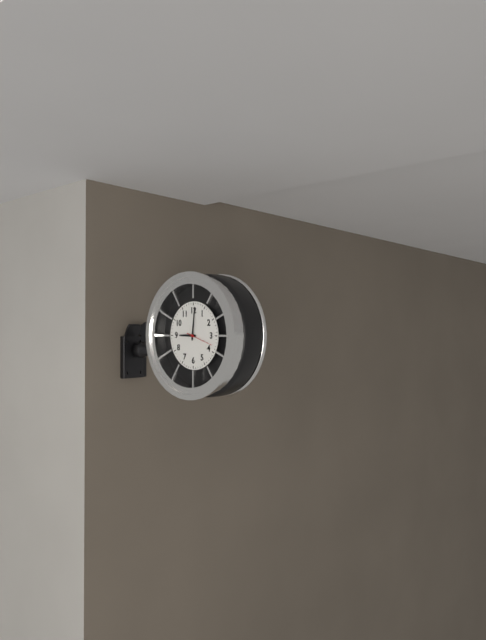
9:01
